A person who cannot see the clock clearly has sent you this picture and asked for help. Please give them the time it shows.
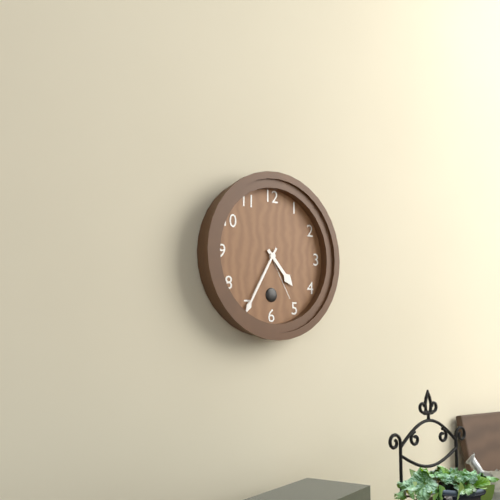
4:35
